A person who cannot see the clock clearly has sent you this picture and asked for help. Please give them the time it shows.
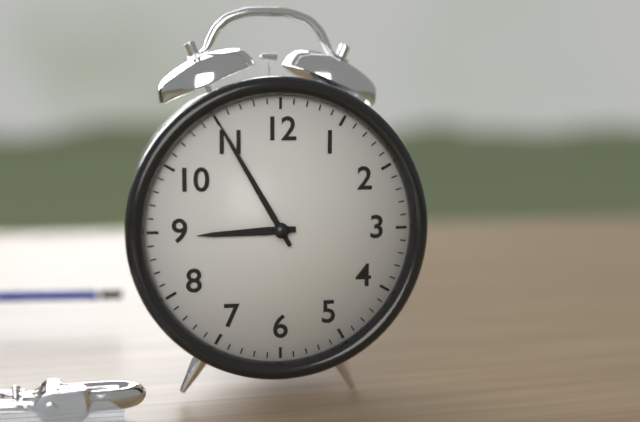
8:55
